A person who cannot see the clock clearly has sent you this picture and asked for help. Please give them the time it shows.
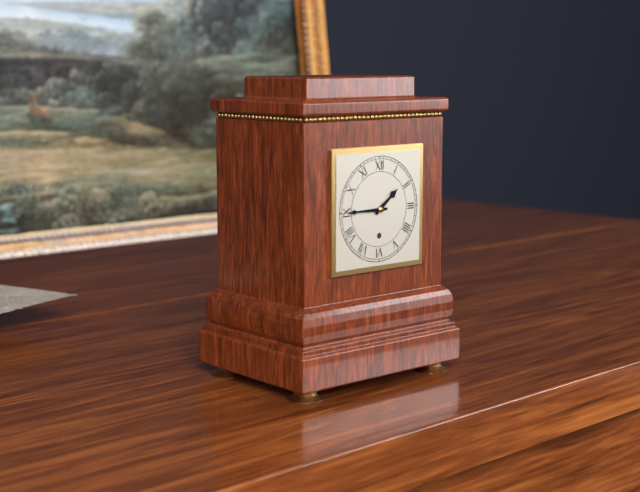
1:45
